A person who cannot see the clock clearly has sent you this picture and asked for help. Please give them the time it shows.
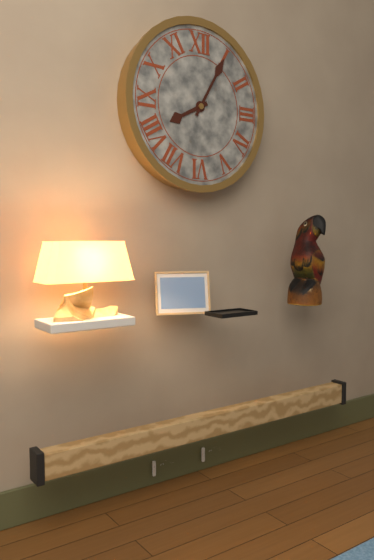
8:05
